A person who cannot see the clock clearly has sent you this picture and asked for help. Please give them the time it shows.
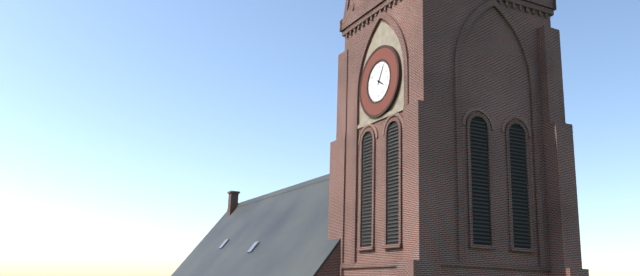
4:05
